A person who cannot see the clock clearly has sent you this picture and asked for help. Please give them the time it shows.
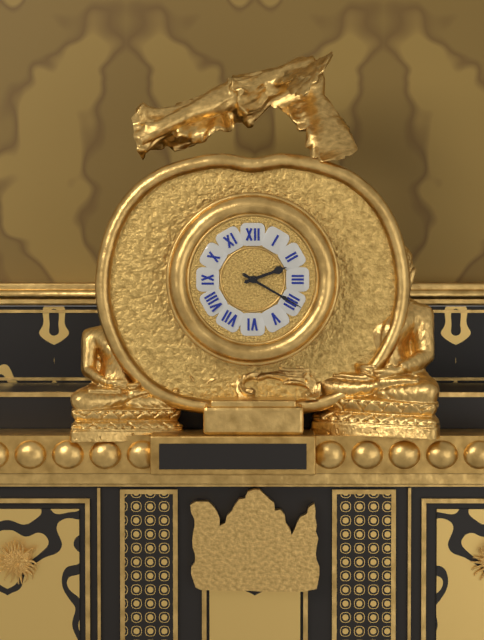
2:20
